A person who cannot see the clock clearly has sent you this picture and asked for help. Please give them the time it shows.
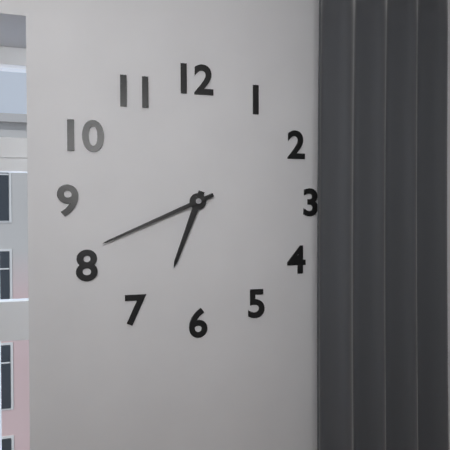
6:41
